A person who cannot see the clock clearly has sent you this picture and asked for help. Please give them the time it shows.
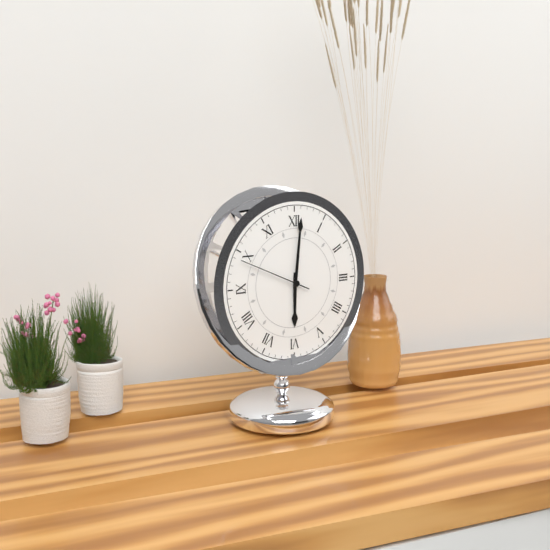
6:01:49
